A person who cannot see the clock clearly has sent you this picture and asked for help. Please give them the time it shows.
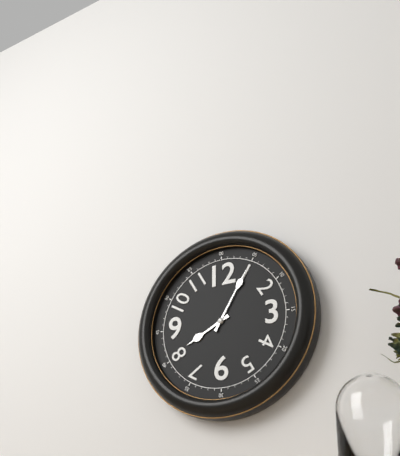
8:05
